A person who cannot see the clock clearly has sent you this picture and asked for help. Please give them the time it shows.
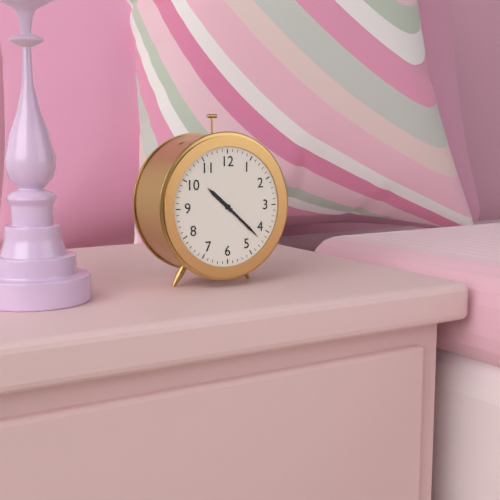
10:22
